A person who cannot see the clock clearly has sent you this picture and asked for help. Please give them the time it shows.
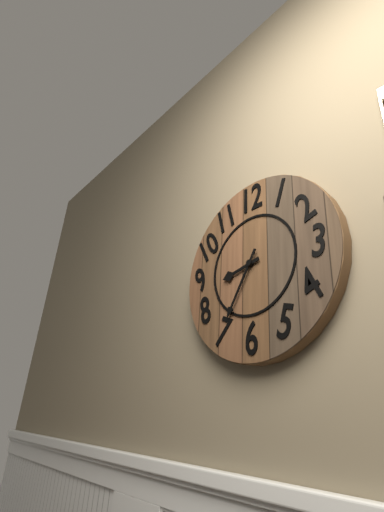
8:35
